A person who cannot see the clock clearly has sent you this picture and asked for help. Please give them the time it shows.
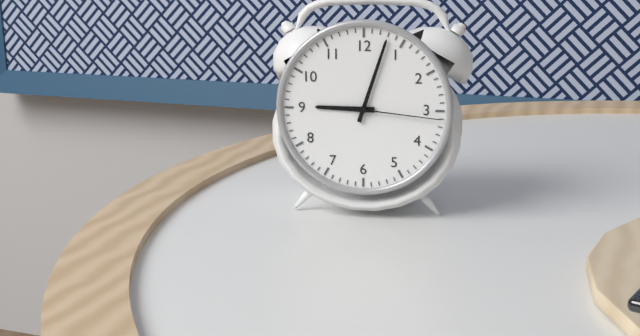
9:03:16
